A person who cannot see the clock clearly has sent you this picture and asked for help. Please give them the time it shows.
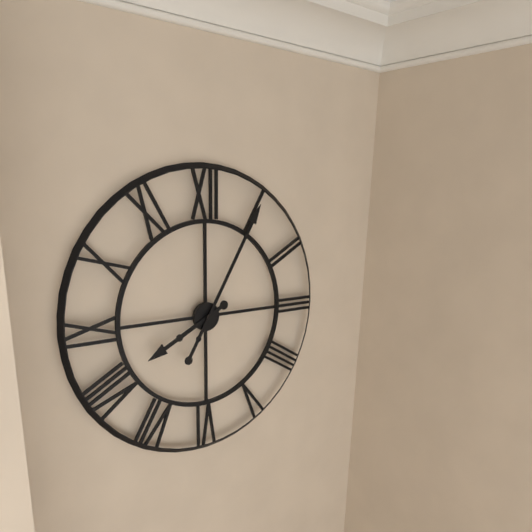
8:05
